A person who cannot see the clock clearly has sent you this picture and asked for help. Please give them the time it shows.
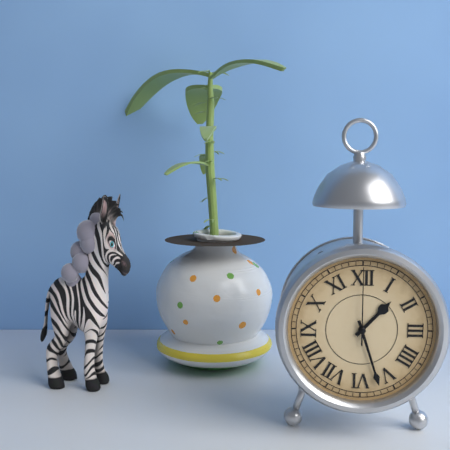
1:27:00
